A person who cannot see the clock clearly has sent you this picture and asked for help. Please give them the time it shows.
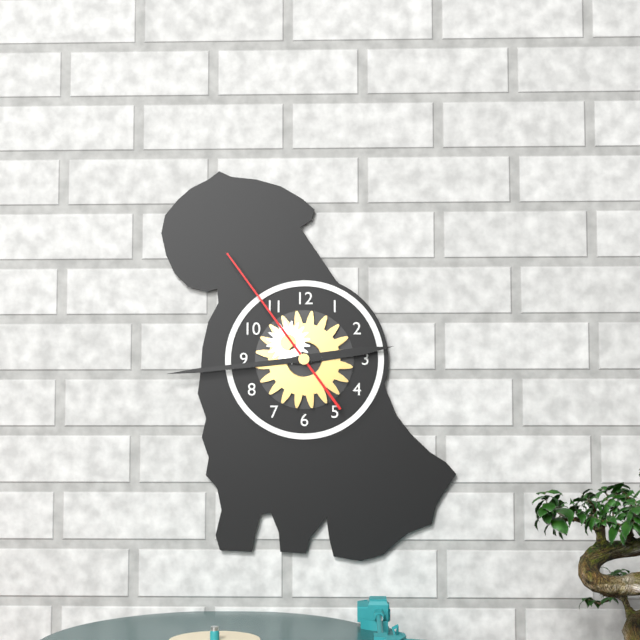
2:44:54
